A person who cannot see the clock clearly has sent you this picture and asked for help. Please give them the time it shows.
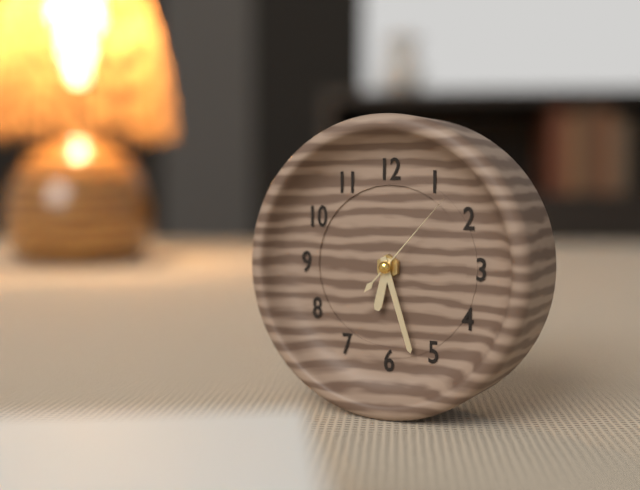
6:27:07
